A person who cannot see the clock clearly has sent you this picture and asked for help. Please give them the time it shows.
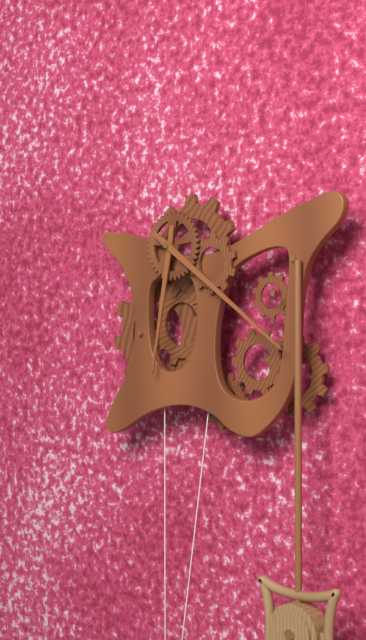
6:21
